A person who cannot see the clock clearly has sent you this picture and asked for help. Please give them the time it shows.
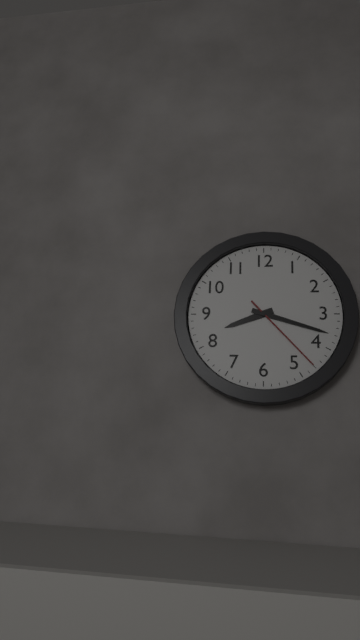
8:18:23
